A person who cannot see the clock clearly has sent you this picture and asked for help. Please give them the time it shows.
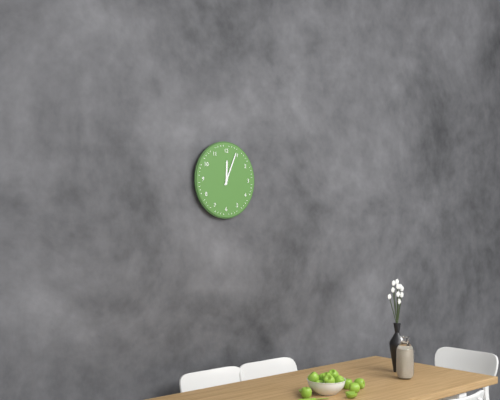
12:04
